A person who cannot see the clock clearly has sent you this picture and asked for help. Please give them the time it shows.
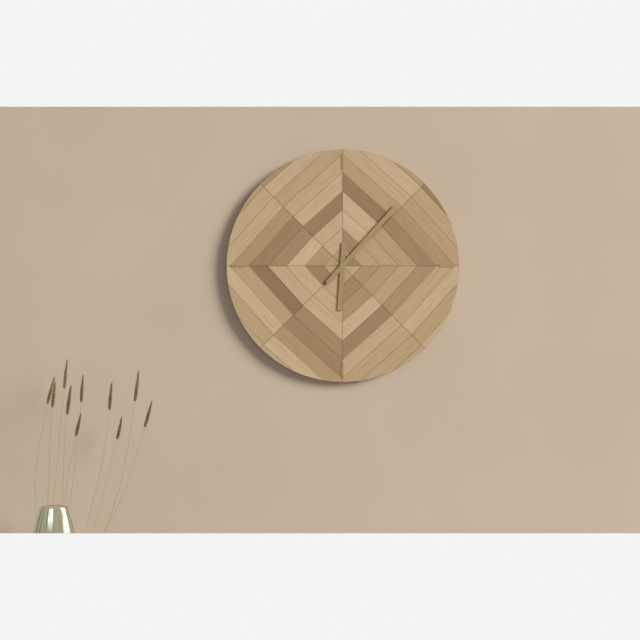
6:07
